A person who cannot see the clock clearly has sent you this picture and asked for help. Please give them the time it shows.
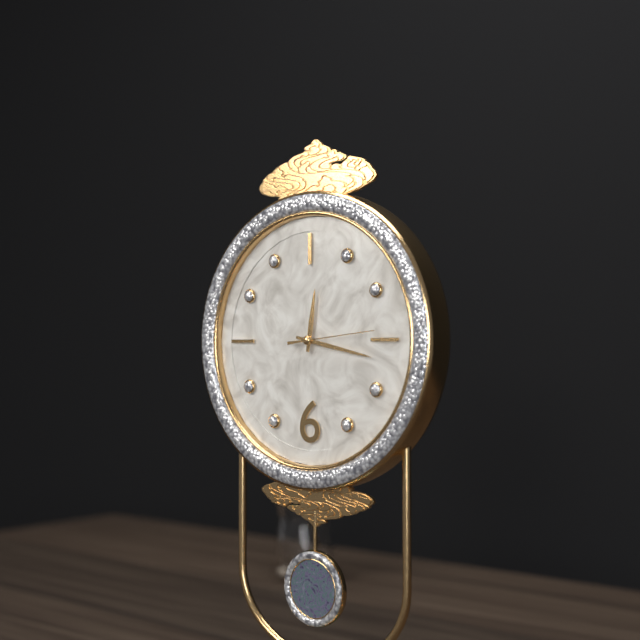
12:17:14
